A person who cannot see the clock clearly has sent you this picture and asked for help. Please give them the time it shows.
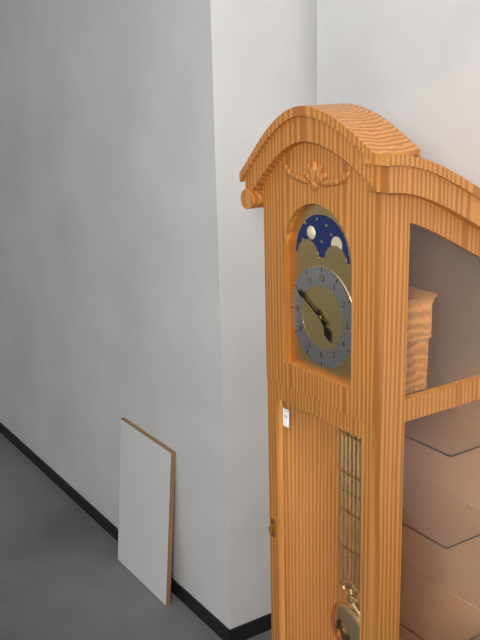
4:50
